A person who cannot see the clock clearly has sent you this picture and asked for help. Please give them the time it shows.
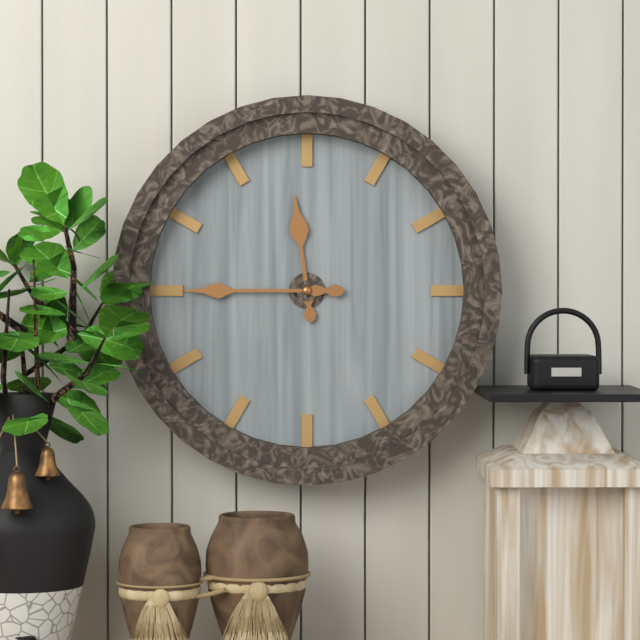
11:45
